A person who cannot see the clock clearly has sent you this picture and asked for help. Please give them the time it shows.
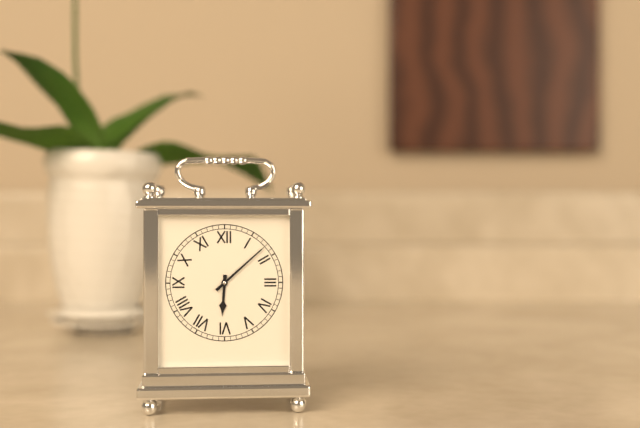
6:08
